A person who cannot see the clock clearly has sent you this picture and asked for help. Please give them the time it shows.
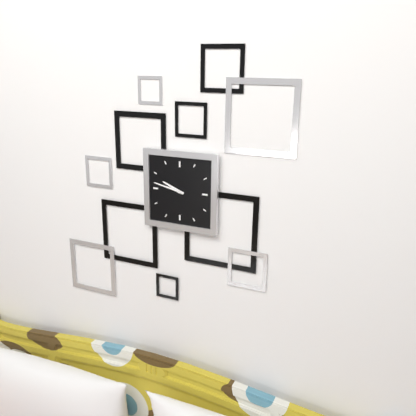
9:47
